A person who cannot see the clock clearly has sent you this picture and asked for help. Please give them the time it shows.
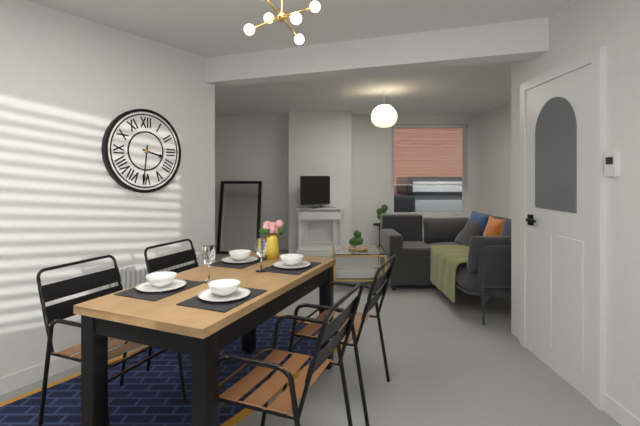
3:31
